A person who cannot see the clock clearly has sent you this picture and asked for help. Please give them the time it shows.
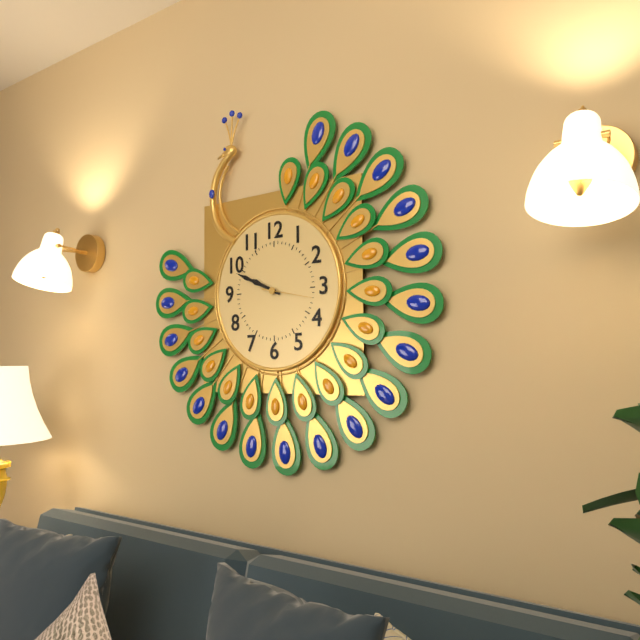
9:49:17
